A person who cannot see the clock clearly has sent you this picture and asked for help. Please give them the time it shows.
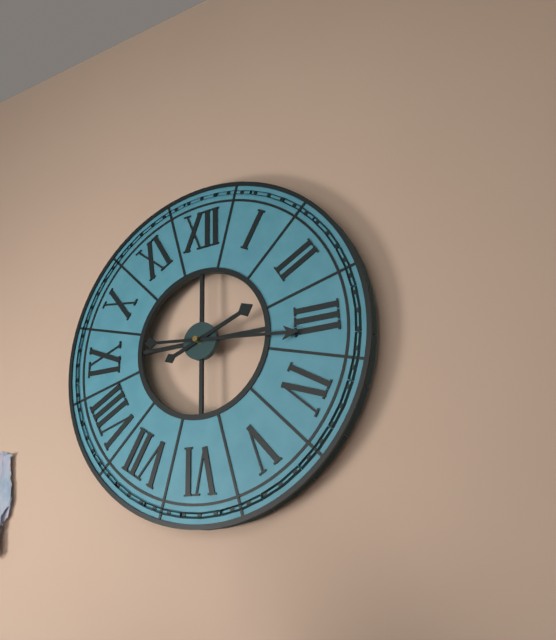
2:16
